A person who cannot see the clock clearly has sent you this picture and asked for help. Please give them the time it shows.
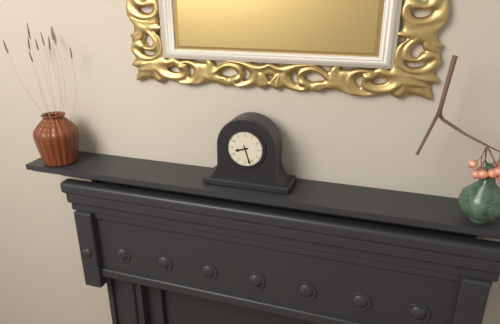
8:27
